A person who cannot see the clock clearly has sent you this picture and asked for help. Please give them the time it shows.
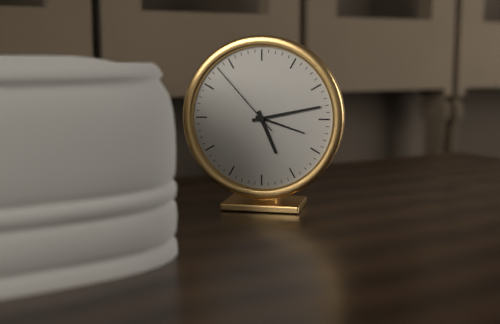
5:13:53
